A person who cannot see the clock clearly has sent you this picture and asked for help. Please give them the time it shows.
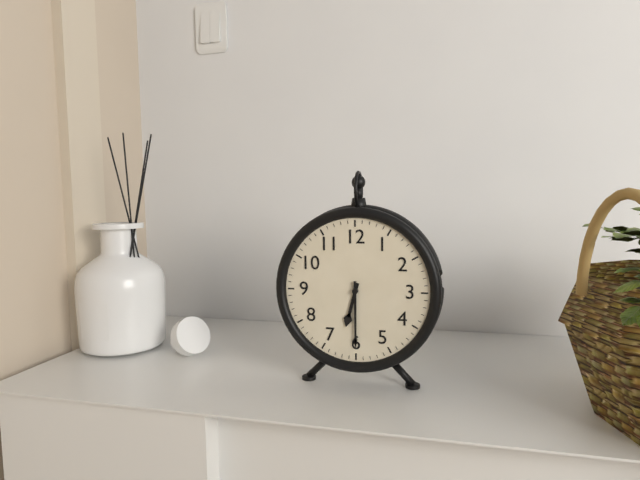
6:30
